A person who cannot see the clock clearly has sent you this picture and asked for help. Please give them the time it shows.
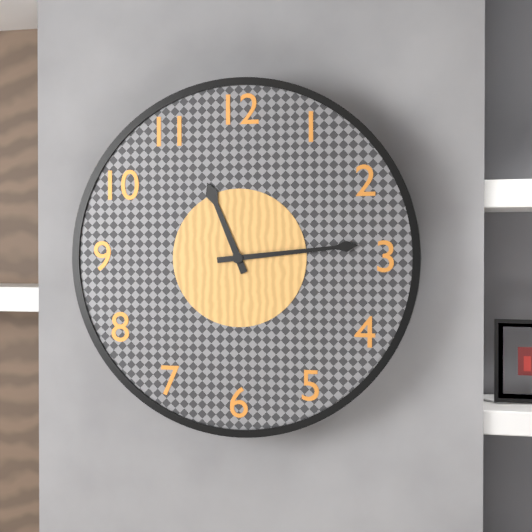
11:14
